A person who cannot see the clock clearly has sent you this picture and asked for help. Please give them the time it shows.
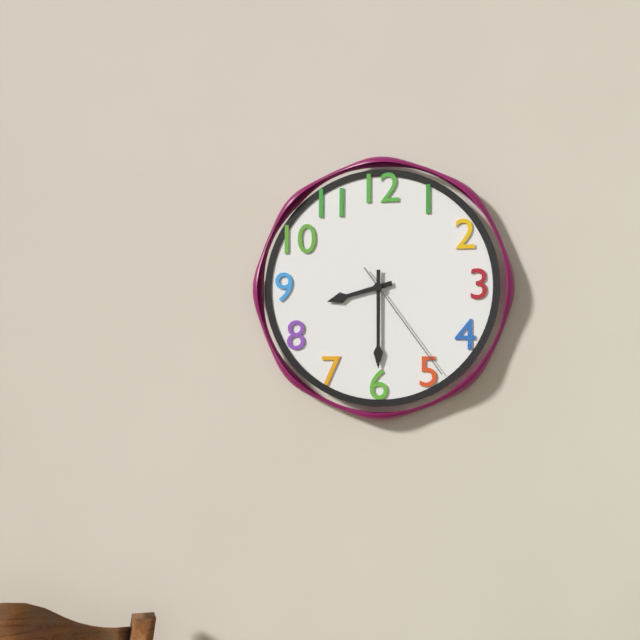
8:30:24
